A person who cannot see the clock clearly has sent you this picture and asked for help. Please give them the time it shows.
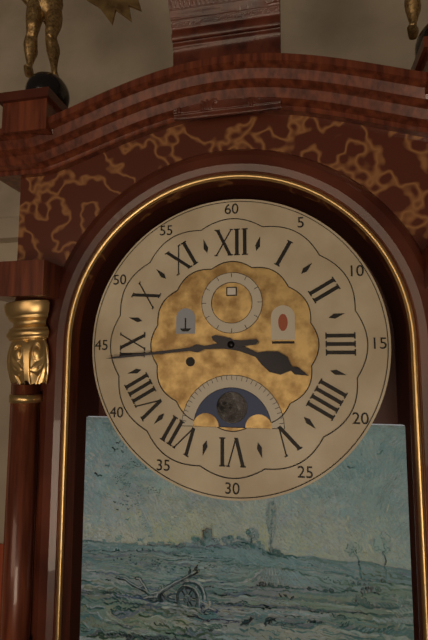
3:44
